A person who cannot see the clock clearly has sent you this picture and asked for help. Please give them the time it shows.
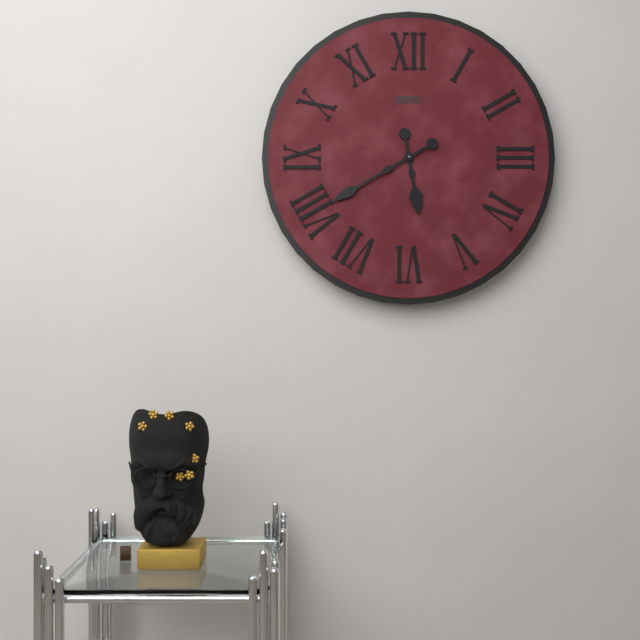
5:40
